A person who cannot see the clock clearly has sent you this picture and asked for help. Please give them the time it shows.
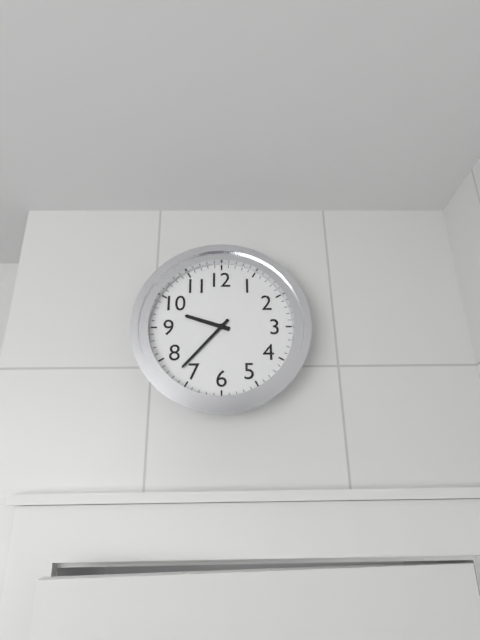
9:37
